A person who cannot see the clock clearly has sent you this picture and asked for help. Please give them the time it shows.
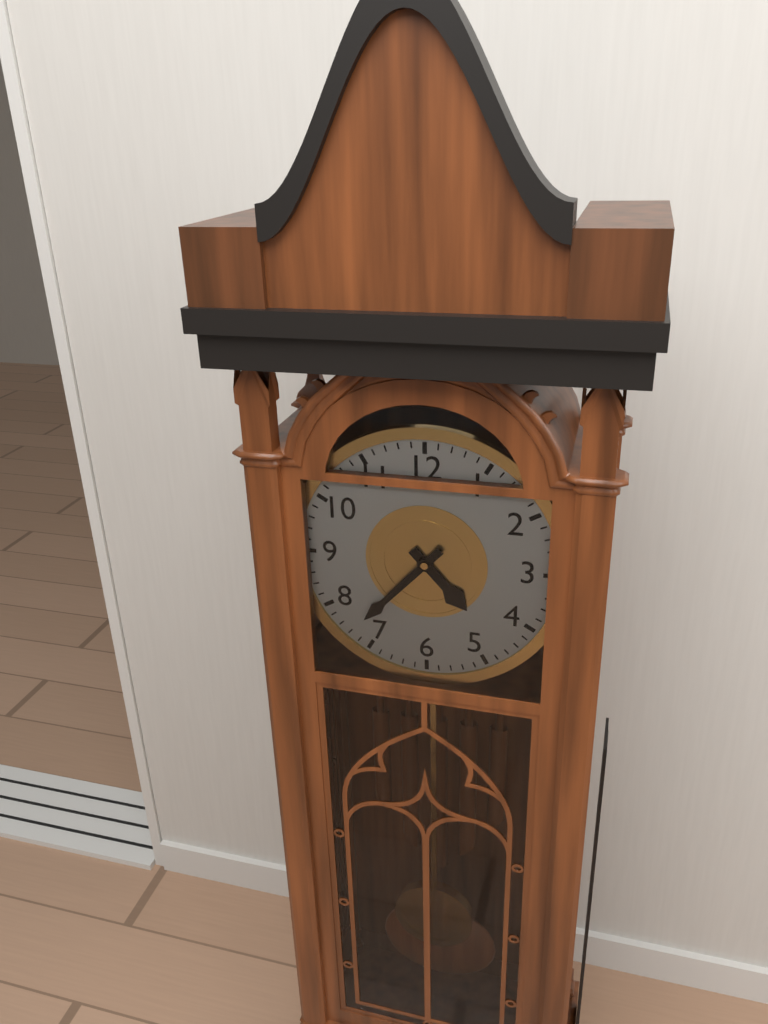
4:37
